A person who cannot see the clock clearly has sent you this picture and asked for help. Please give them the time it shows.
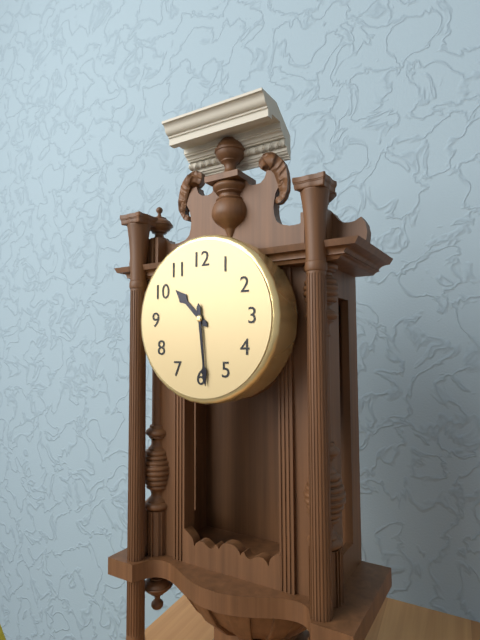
10:29
